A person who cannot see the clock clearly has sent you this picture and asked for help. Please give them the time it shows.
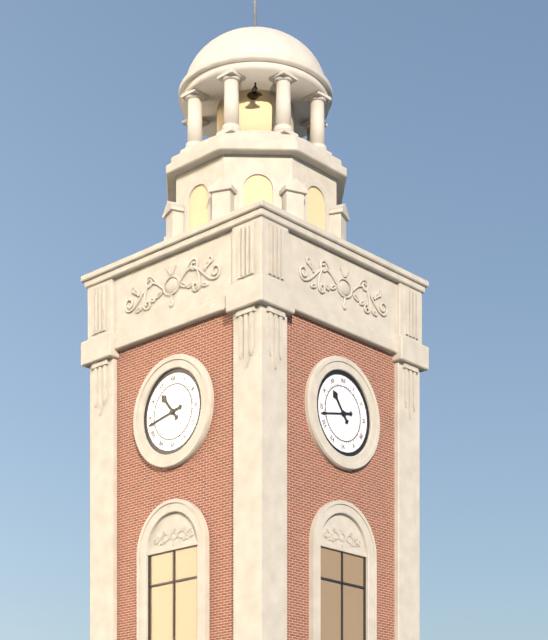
10:43
